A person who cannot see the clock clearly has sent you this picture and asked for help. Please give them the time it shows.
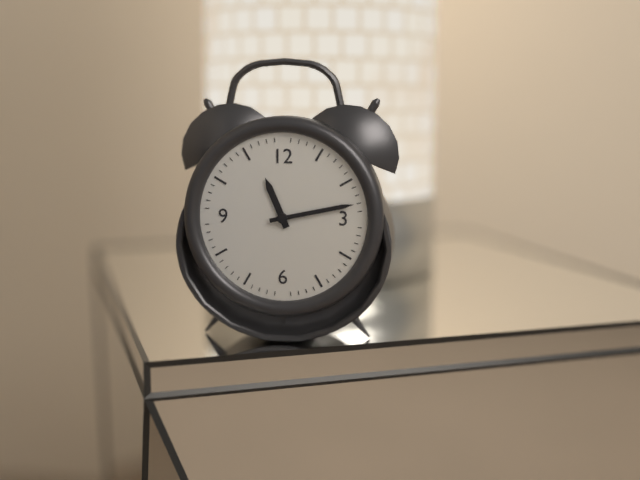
11:13
